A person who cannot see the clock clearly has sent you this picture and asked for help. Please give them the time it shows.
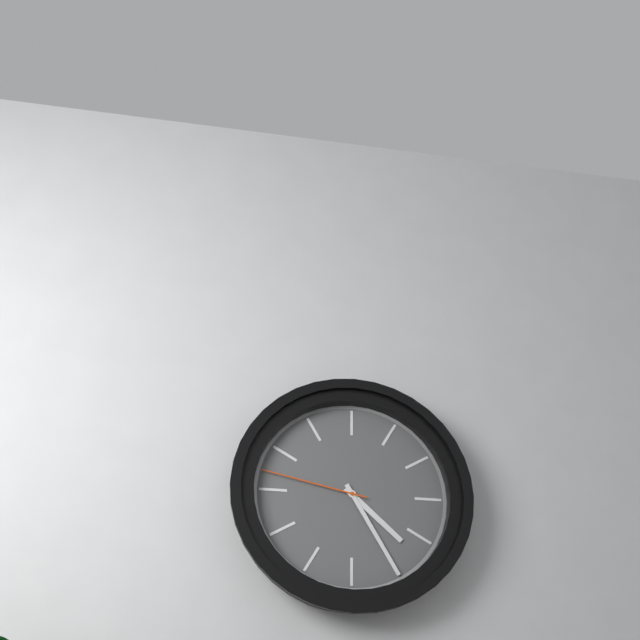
4:25:47
